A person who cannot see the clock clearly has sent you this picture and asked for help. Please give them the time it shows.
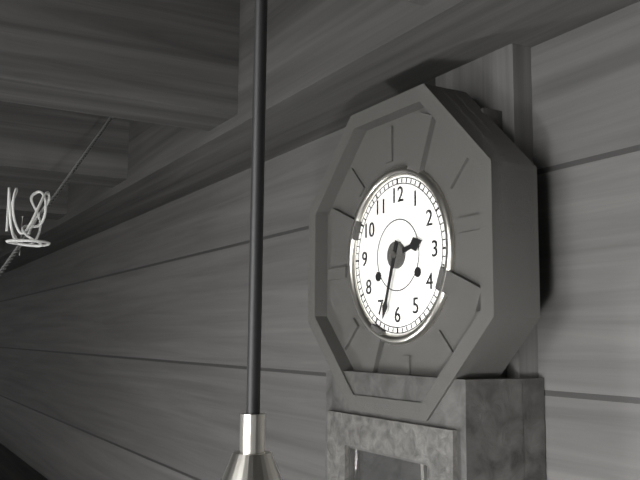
2:33
